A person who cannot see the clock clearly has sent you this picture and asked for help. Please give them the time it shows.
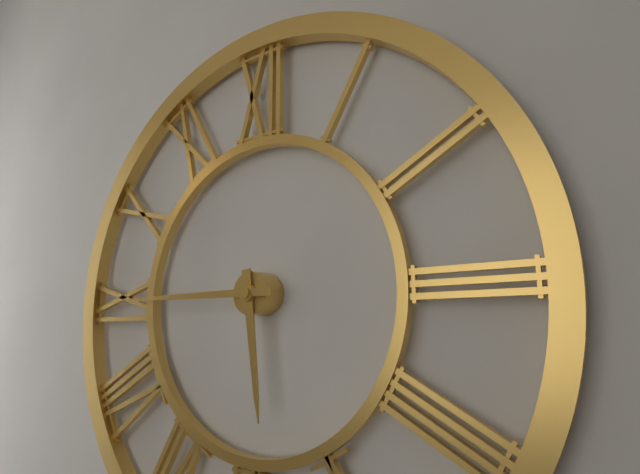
5:45
